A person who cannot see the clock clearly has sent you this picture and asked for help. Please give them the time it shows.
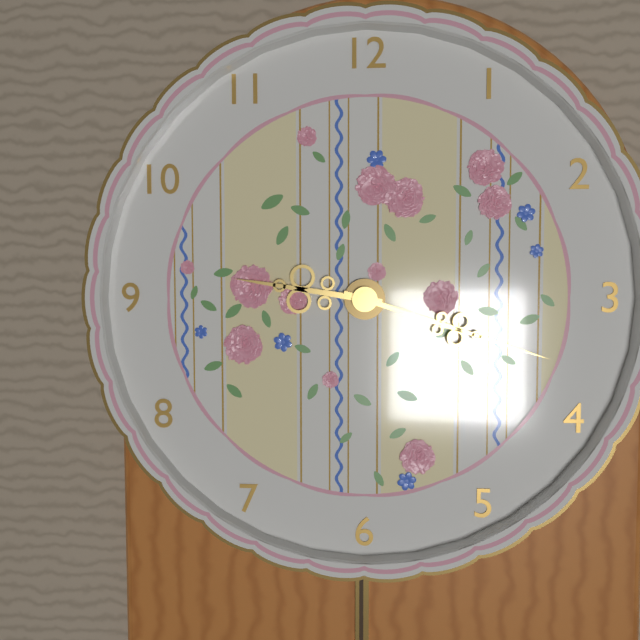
9:18
